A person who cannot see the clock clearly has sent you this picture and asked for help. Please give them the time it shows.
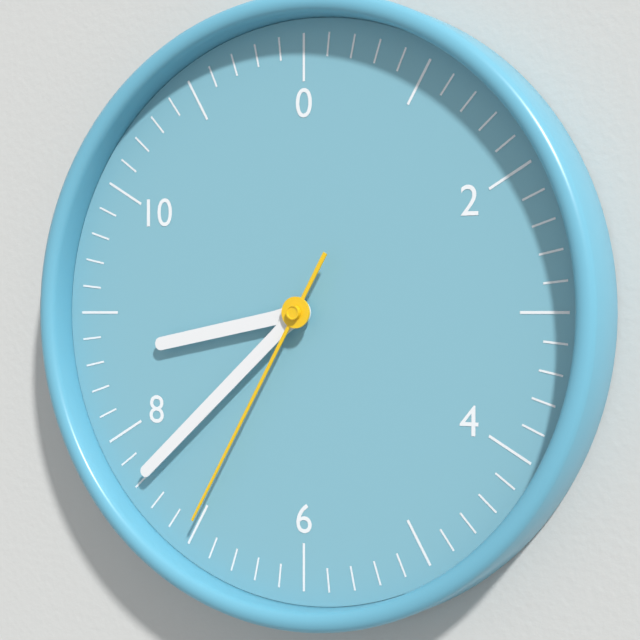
8:38:35
